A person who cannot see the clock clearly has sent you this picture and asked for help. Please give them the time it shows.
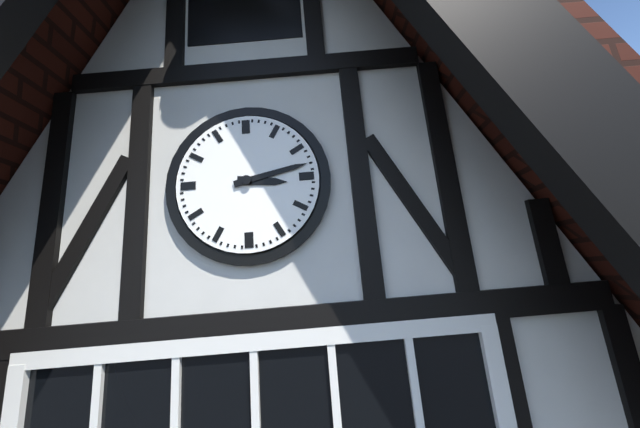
3:13
